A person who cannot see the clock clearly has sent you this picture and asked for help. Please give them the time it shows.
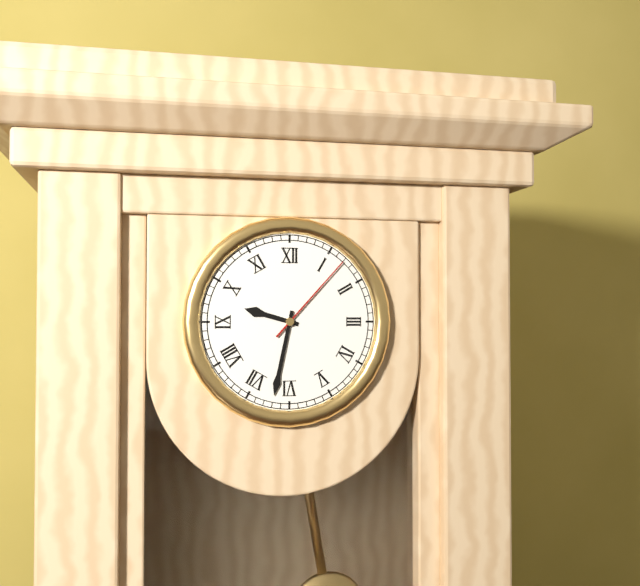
9:32:07
